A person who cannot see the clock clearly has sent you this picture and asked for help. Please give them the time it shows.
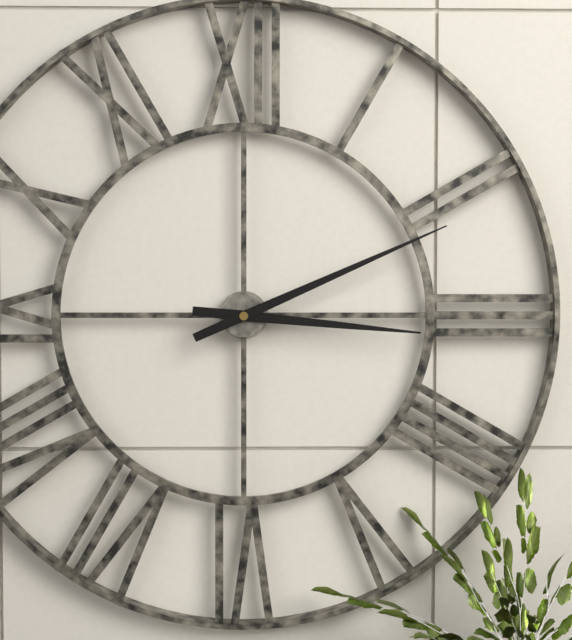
3:11
